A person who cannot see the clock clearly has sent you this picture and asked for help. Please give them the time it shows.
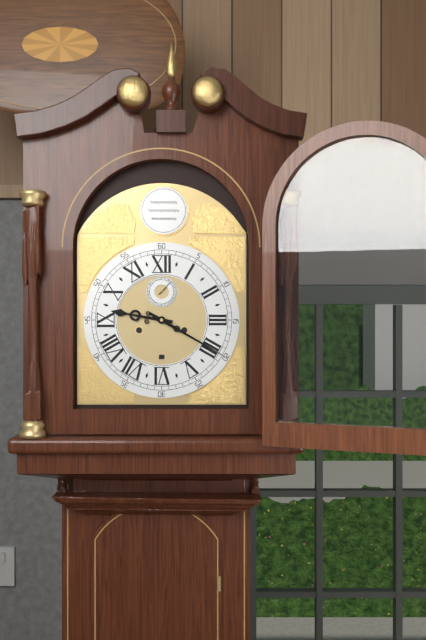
9:20
